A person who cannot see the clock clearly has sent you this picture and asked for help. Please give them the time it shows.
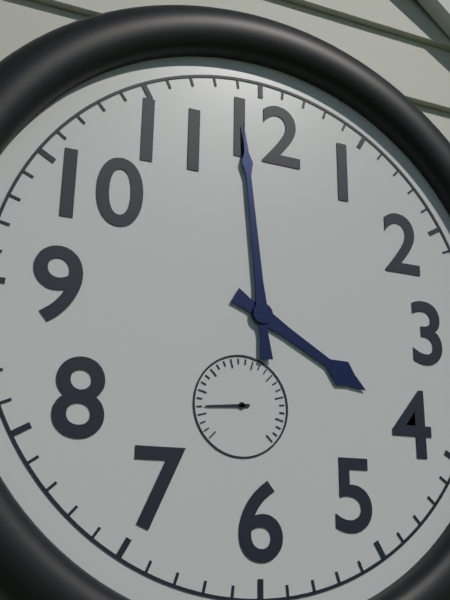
3:59
